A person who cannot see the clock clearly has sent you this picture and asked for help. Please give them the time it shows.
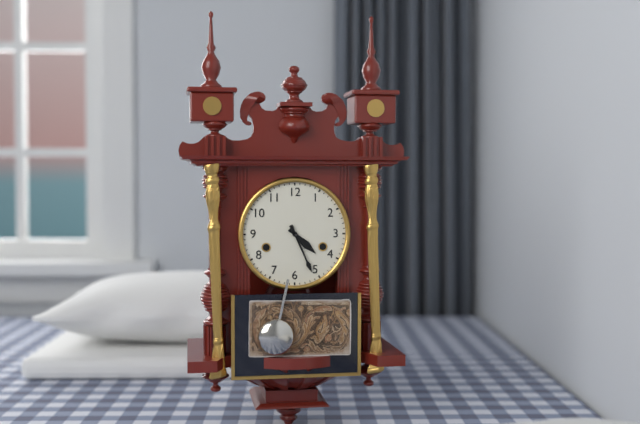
4:26
